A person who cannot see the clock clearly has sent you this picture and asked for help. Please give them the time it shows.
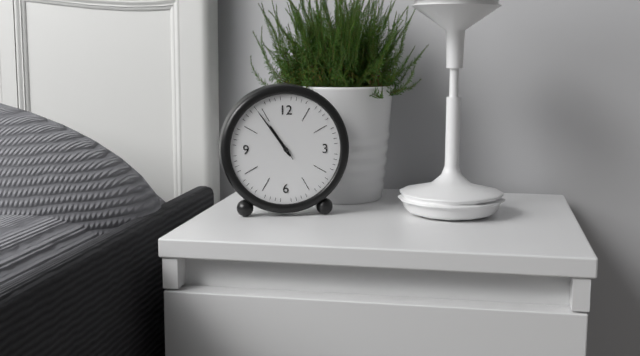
10:54:54
